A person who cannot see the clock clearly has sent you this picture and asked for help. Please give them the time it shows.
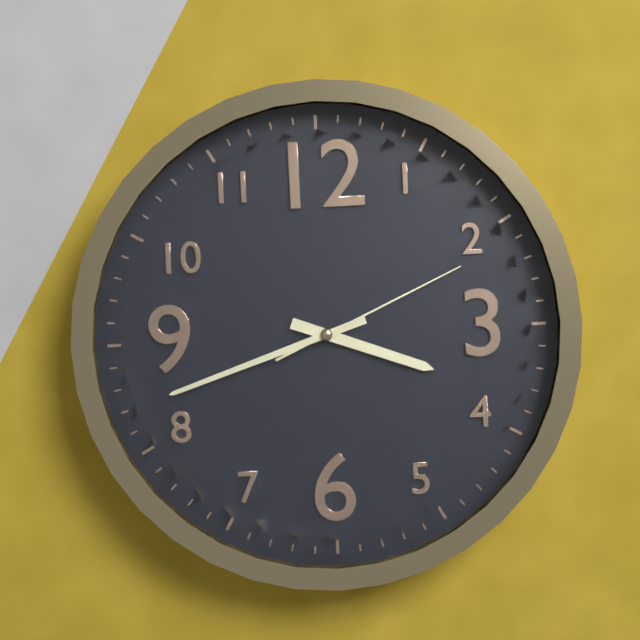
3:42:11
